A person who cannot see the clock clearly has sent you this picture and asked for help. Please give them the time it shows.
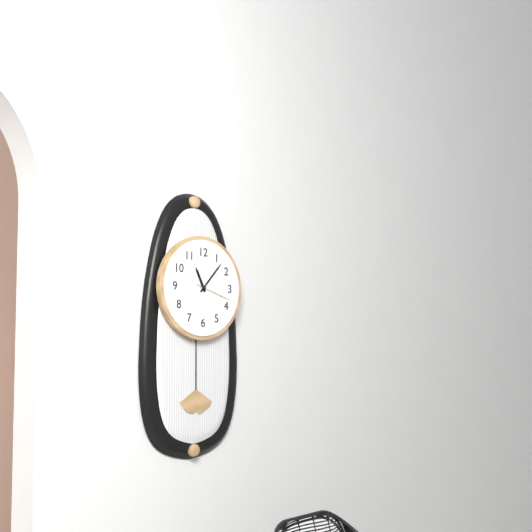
11:07
